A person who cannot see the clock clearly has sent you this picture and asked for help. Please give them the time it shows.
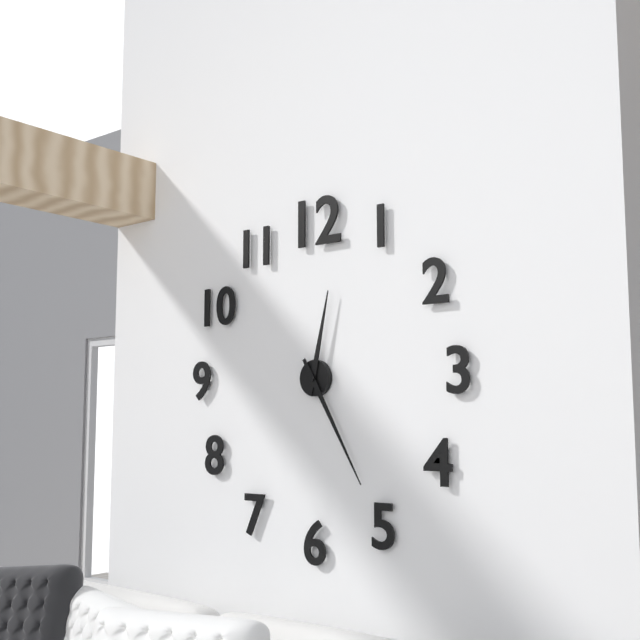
12:25
